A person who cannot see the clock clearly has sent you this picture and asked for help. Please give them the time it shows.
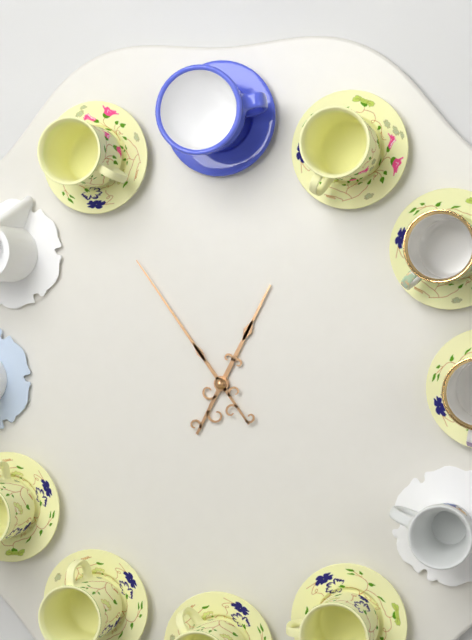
12:54
